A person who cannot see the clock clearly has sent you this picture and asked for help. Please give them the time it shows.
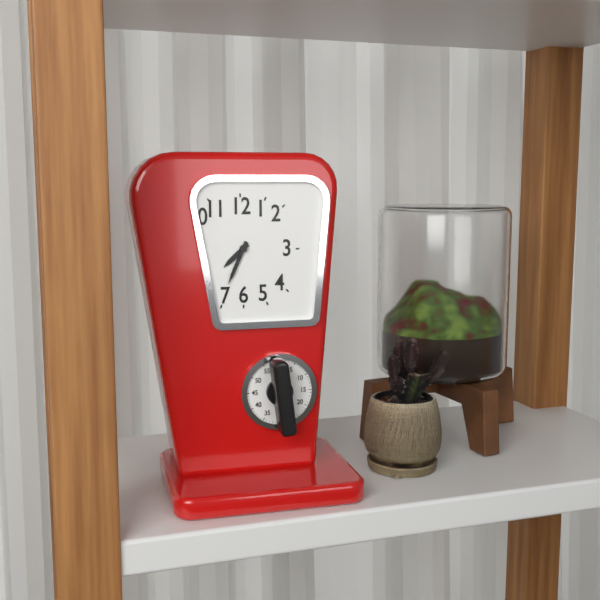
7:34
